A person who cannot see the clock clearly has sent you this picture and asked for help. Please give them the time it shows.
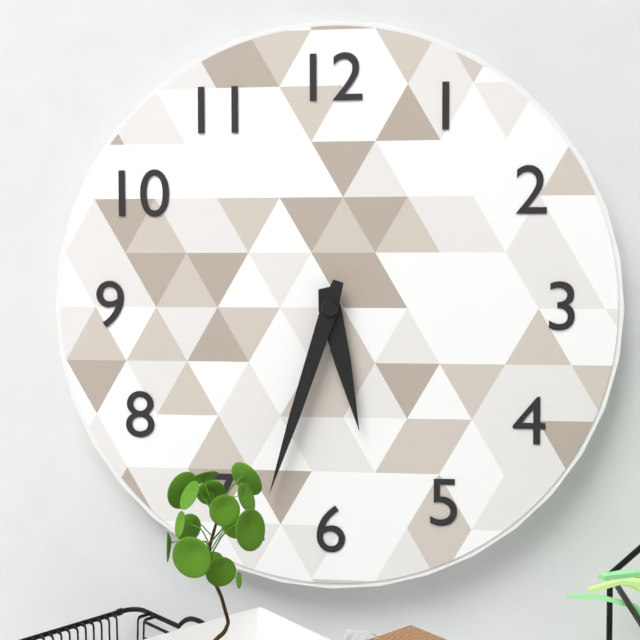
5:33
